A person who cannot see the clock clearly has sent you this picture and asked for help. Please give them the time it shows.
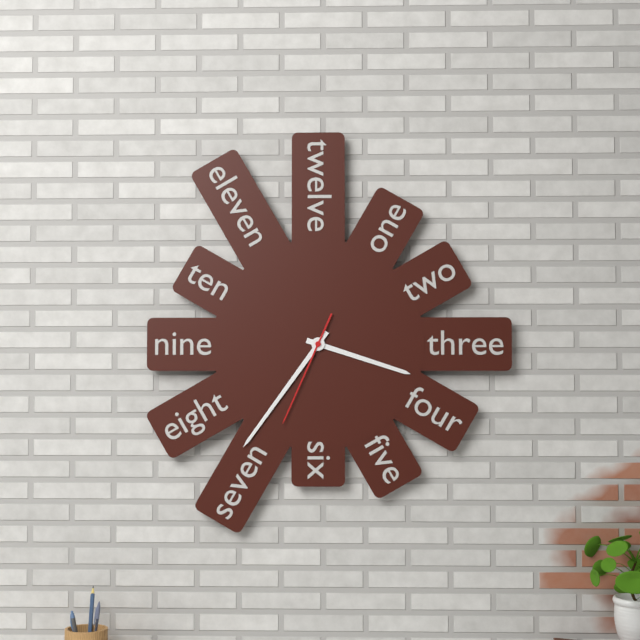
3:36:34
